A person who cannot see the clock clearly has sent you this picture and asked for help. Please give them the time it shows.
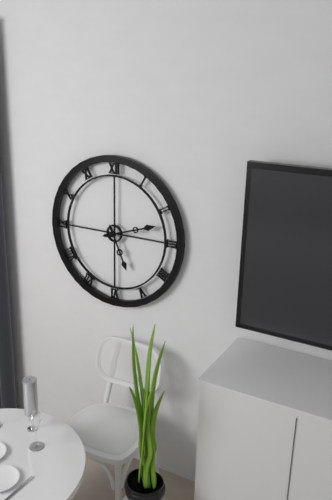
5:12
